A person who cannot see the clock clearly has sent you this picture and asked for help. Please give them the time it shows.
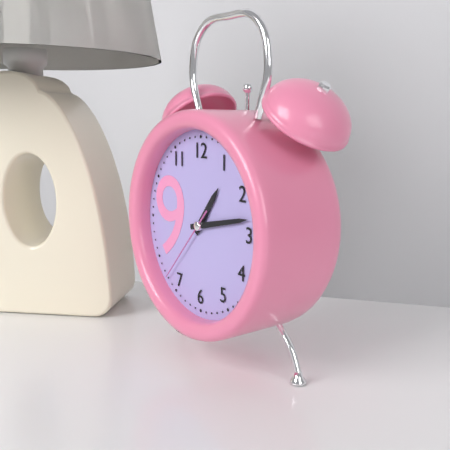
1:13:37
